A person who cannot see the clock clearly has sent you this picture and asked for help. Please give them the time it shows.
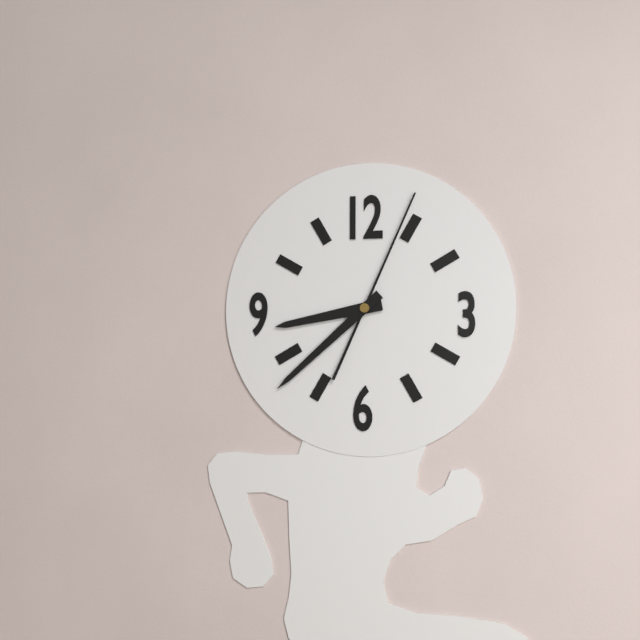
8:38:04
